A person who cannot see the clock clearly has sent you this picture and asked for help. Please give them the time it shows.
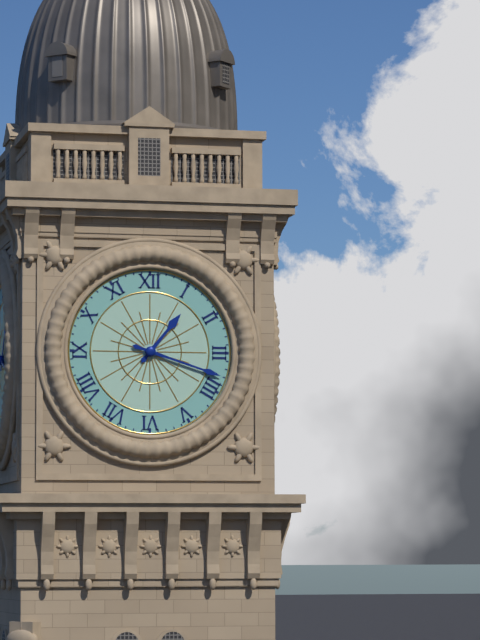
1:18
